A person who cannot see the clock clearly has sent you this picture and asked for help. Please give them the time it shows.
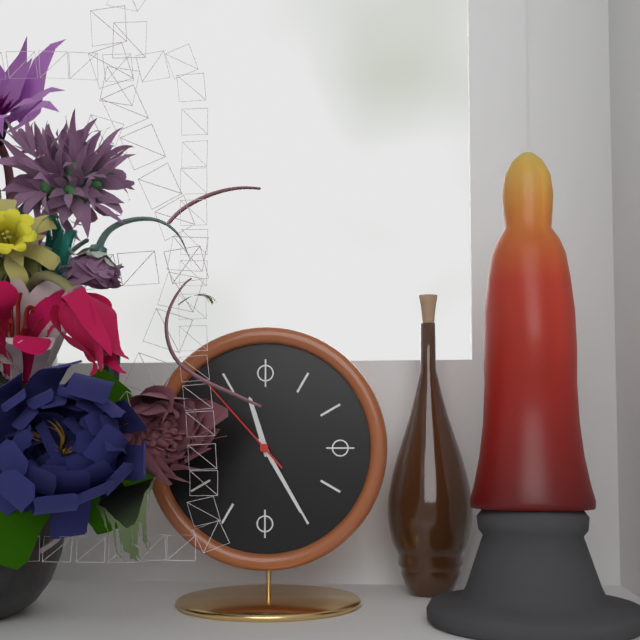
11:25:53
